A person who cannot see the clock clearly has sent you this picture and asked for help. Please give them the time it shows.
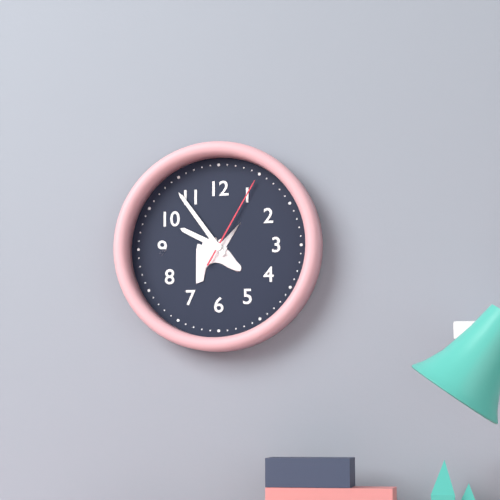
9:54:05
